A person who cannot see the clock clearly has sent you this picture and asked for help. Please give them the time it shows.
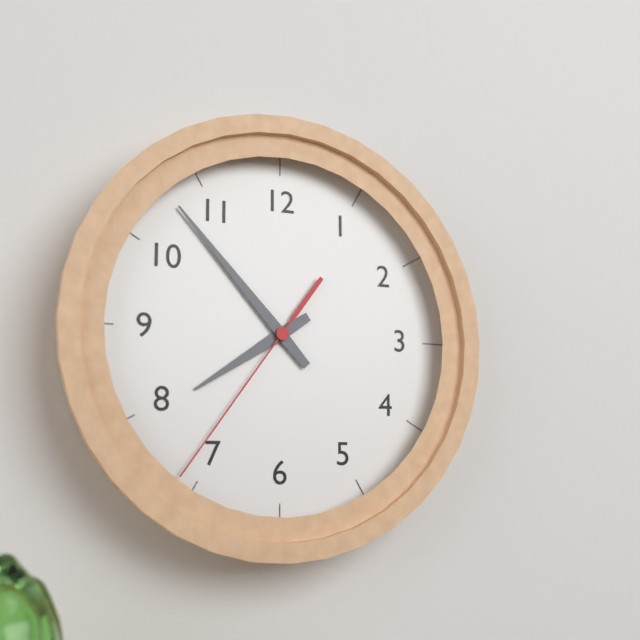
7:53:36
